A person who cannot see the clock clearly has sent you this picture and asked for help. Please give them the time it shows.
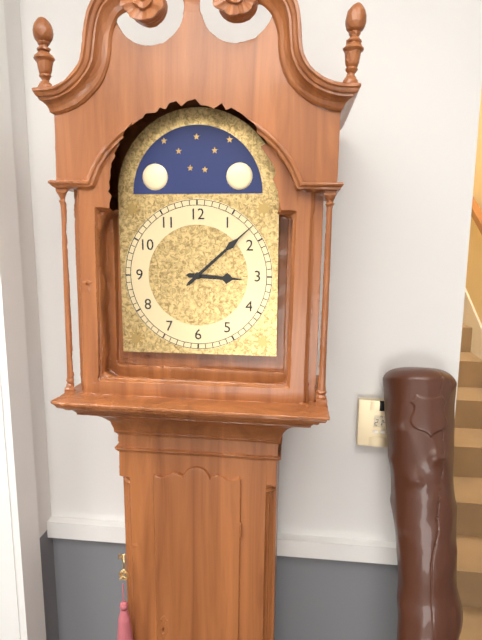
3:08
